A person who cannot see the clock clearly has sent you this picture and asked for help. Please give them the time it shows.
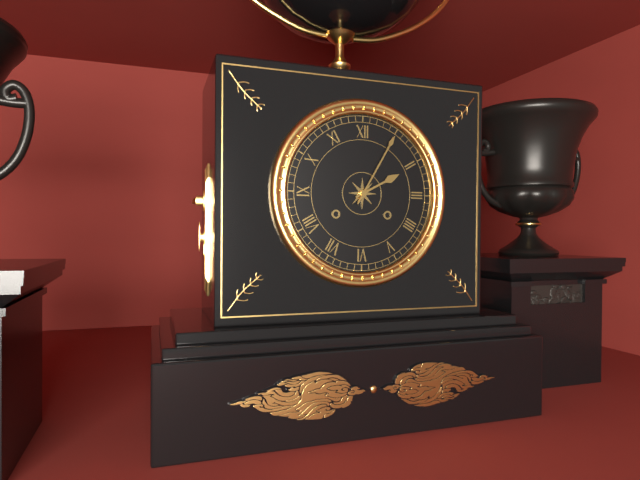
2:05
